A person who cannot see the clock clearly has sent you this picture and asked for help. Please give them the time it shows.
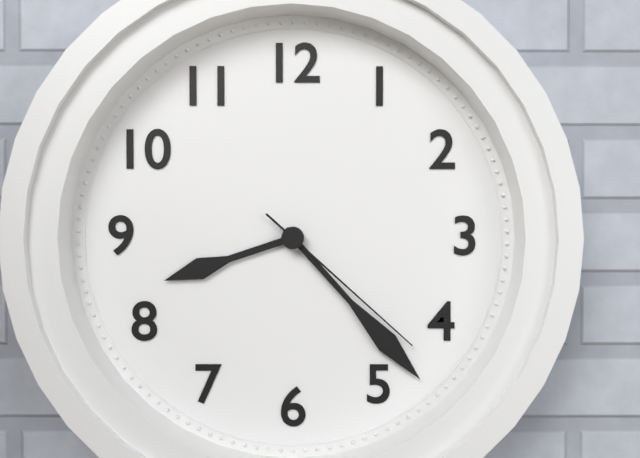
8:23:22
